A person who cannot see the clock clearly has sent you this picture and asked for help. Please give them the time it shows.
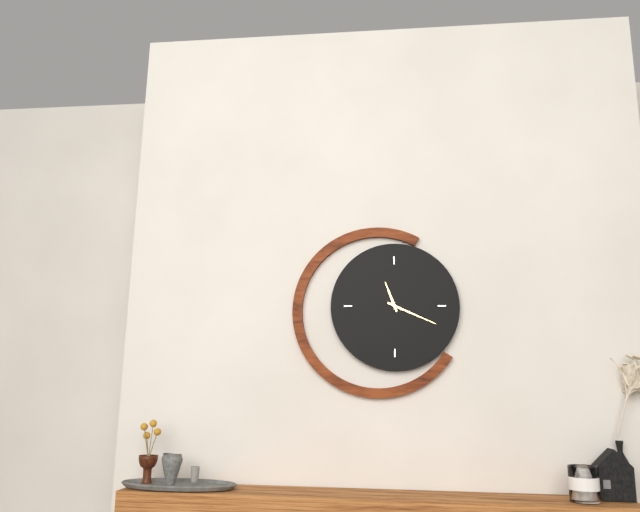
11:19
